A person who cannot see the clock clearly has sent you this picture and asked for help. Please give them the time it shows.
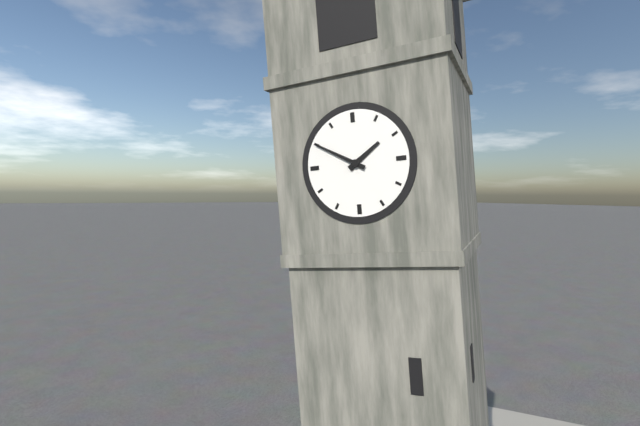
1:50
